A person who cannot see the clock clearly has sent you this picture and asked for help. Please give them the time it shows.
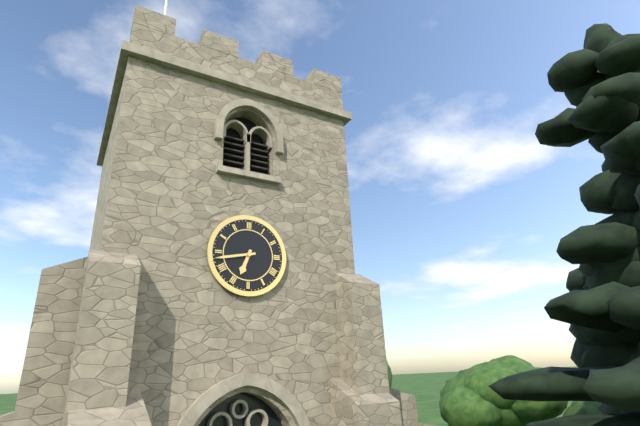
6:43
